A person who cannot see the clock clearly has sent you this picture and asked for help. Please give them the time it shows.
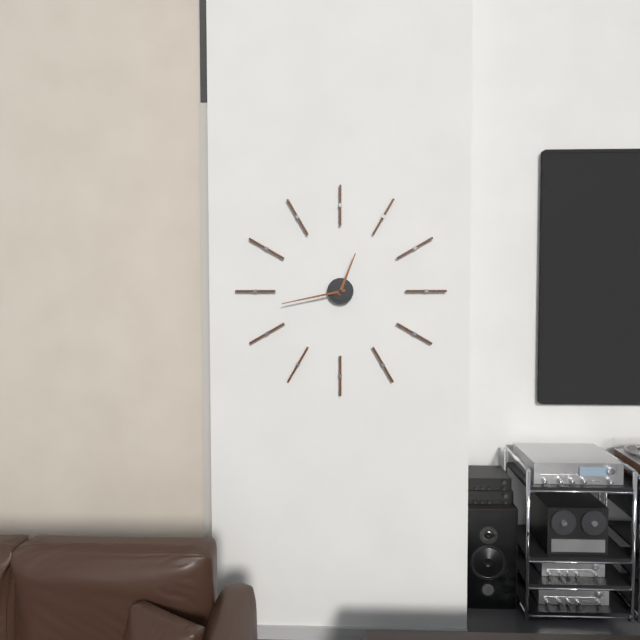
12:43
